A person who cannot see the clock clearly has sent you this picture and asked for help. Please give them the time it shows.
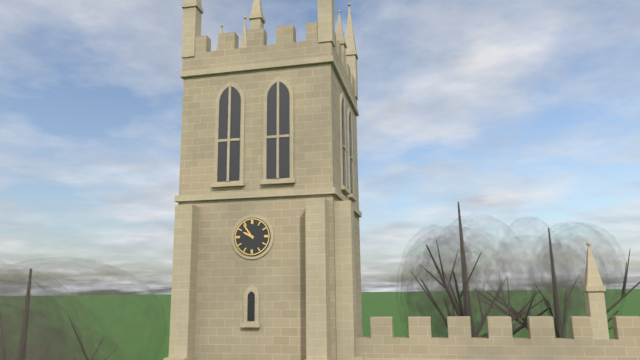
9:54
